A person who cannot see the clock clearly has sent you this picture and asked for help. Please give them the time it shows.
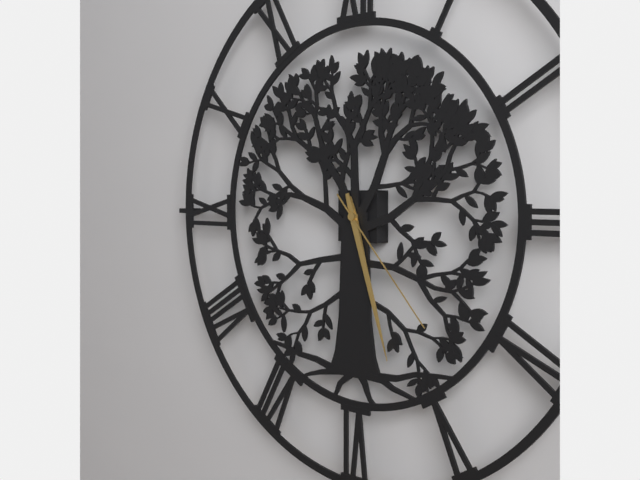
5:27:23
